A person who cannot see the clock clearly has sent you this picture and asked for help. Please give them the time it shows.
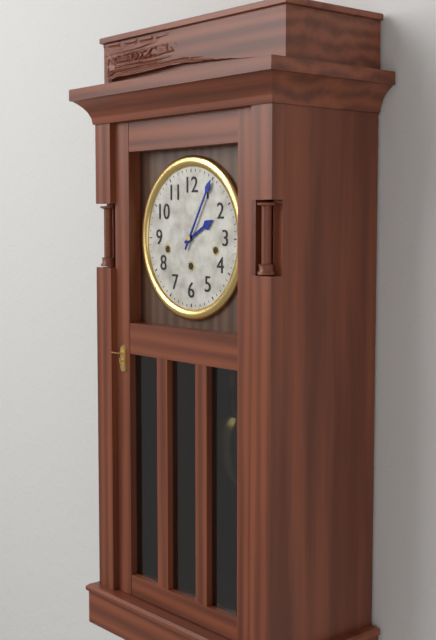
2:05
